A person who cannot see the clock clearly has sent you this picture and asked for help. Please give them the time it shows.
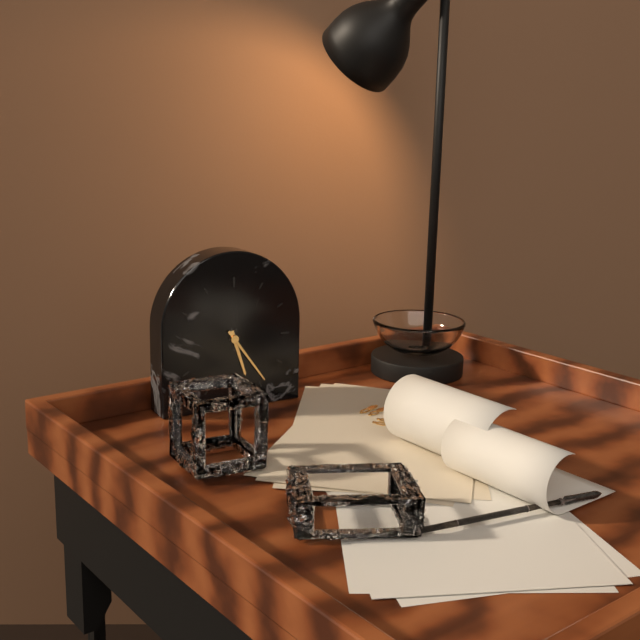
5:24
